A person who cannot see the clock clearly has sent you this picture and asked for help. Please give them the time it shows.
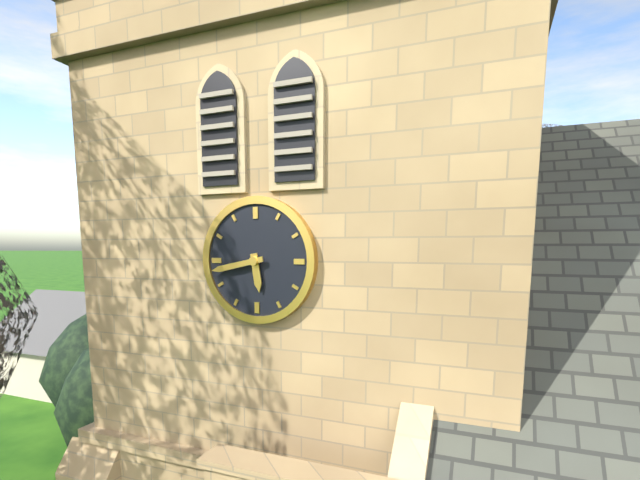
5:43
